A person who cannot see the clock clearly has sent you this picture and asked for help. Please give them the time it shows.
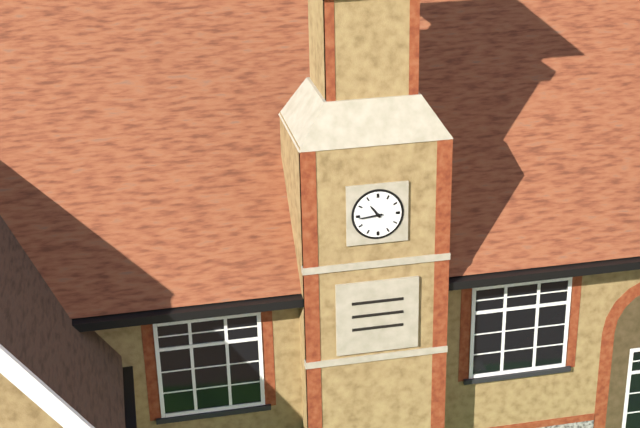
10:44
